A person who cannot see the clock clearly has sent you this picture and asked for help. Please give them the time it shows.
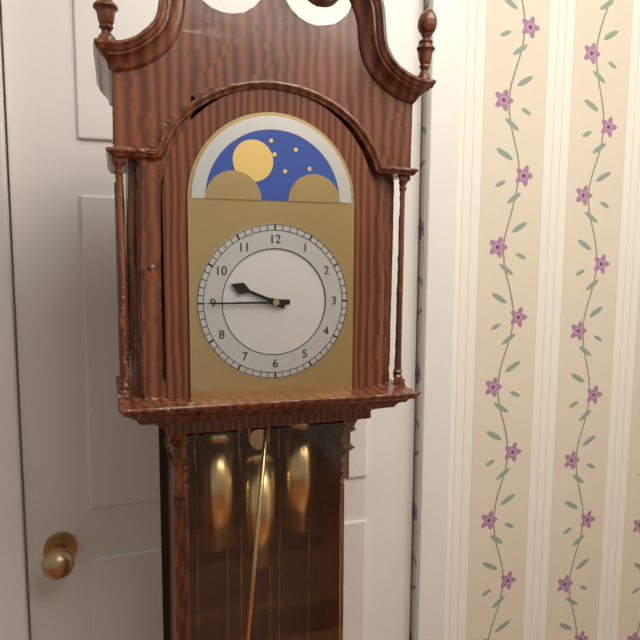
9:45
